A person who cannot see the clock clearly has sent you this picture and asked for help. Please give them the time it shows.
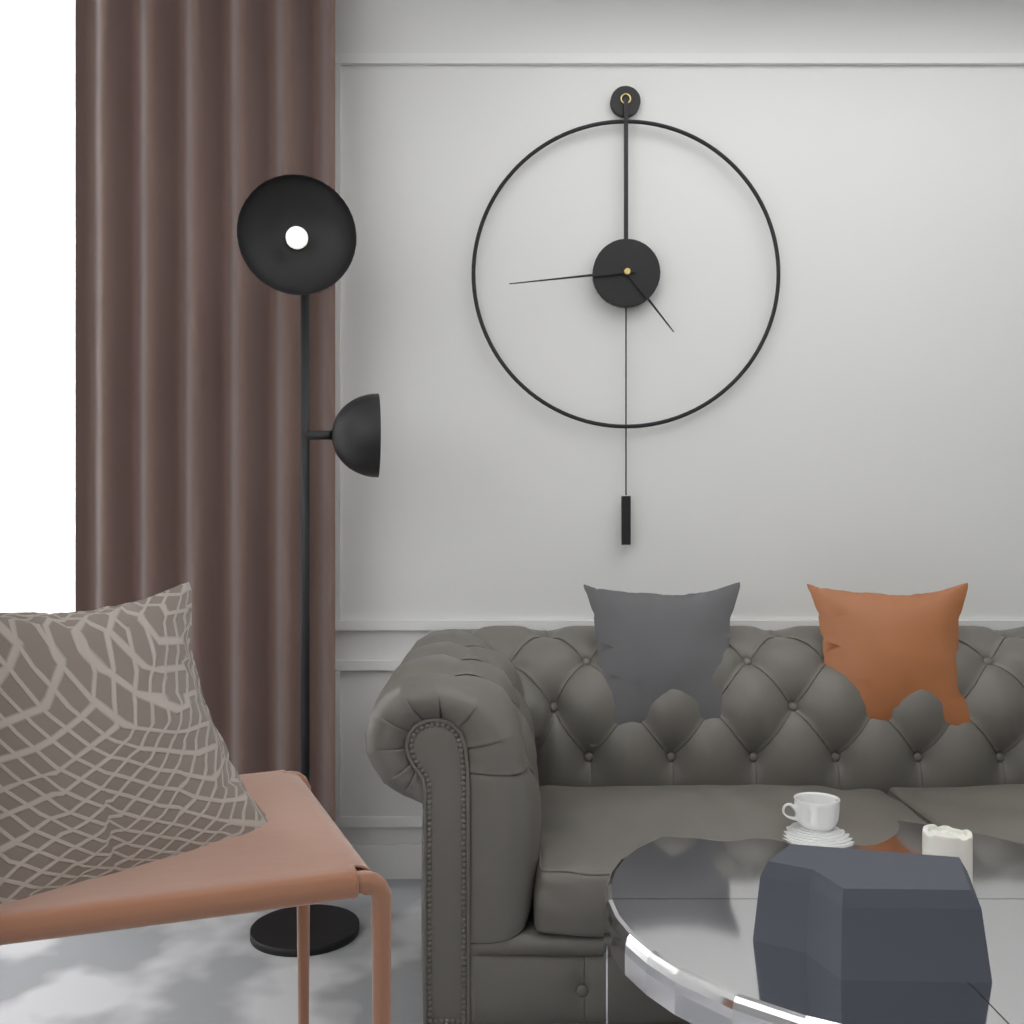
4:44
